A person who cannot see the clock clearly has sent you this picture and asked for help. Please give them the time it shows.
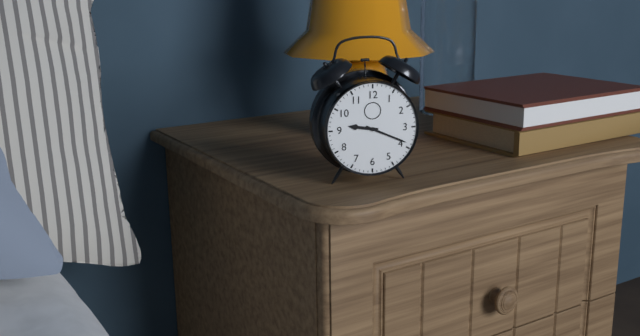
9:19
